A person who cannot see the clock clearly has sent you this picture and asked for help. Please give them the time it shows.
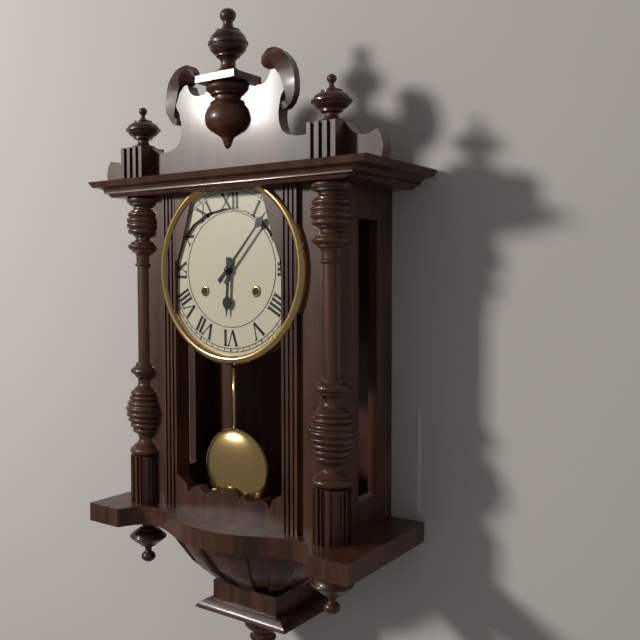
6:07
